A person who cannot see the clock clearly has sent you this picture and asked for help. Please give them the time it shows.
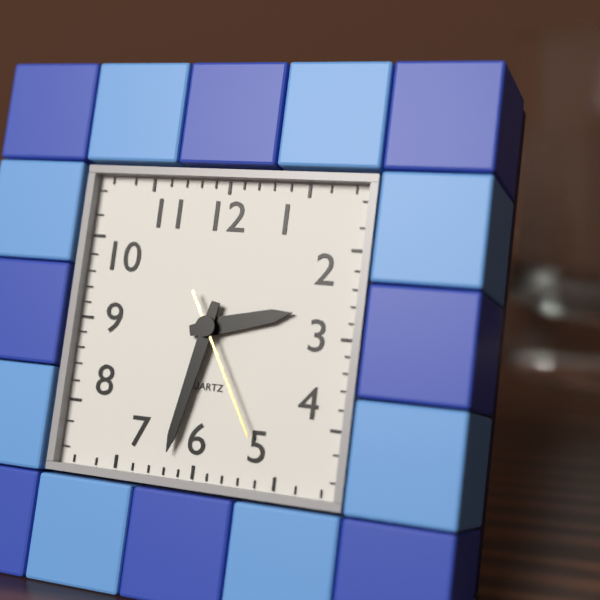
2:32:25
